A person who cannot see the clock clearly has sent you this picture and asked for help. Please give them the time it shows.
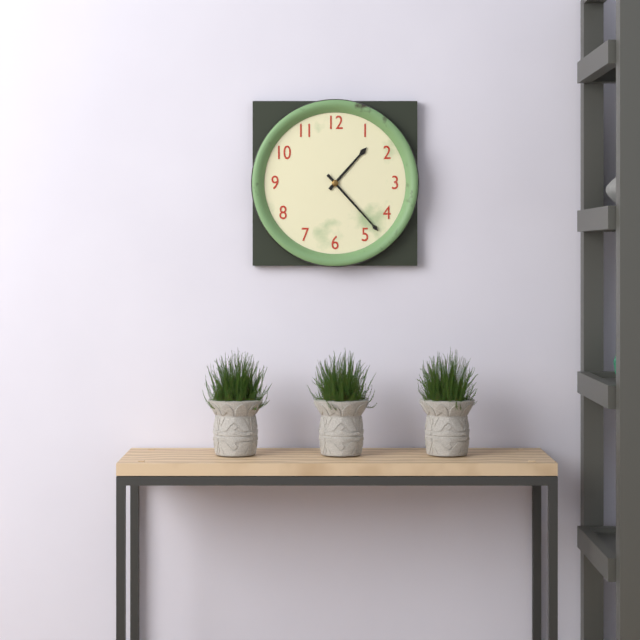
1:23
